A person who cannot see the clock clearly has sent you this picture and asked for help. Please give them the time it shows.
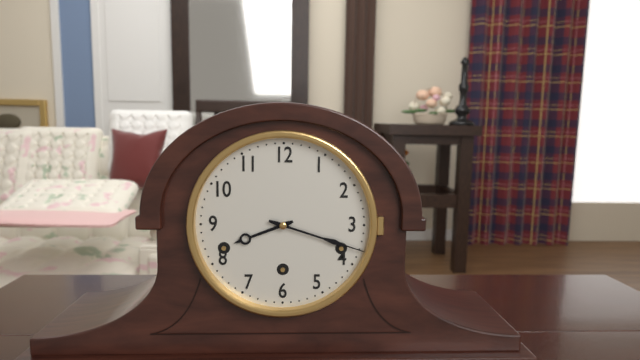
8:18
